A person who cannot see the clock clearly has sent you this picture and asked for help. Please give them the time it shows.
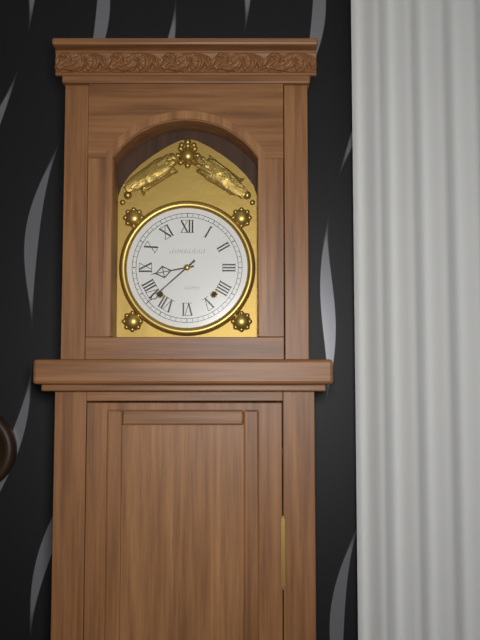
8:38
